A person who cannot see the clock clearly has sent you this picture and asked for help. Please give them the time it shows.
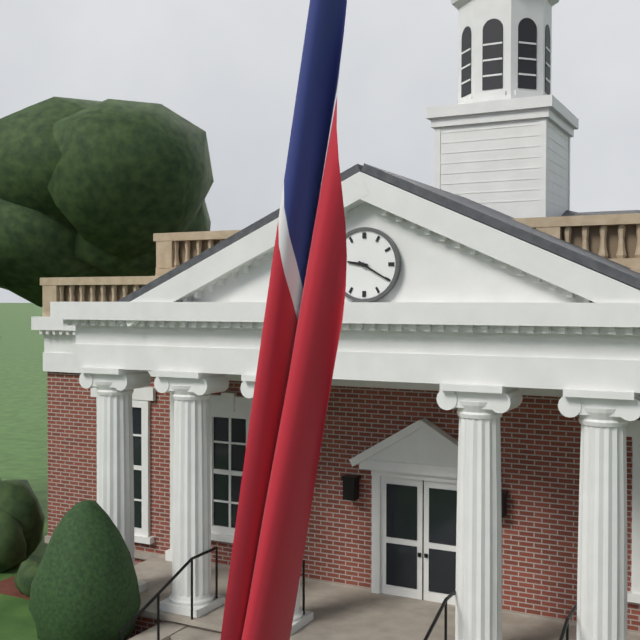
9:20
